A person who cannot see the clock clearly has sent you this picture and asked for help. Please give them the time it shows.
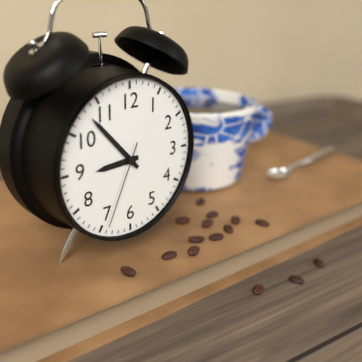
8:53:34
